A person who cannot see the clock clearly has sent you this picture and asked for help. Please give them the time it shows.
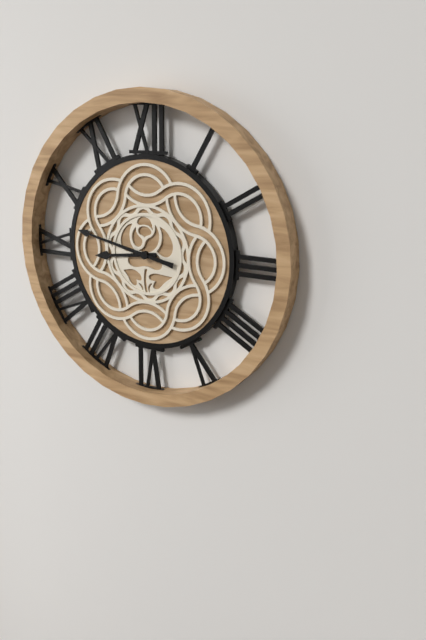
8:47
